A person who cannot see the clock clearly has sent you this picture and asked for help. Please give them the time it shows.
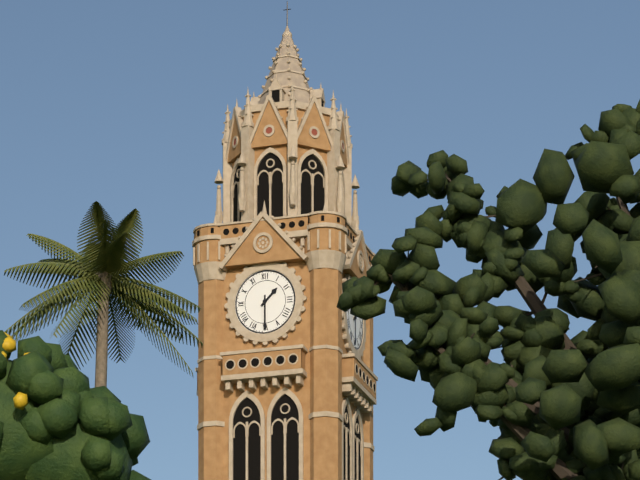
1:30
